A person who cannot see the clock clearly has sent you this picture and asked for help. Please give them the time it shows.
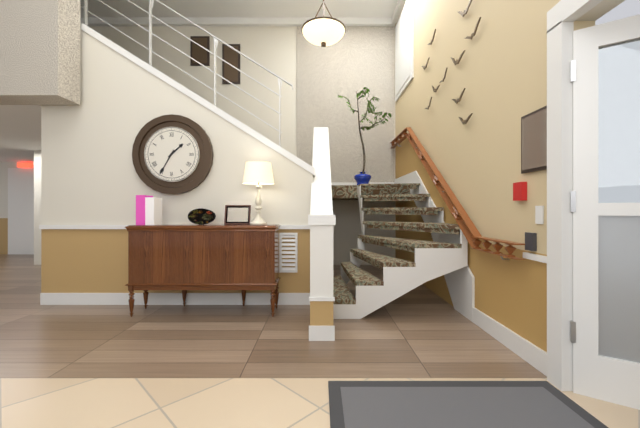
1:35
